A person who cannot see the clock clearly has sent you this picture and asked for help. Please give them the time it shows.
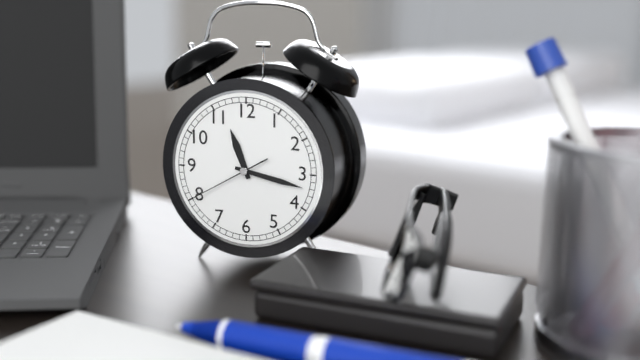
11:17:40
